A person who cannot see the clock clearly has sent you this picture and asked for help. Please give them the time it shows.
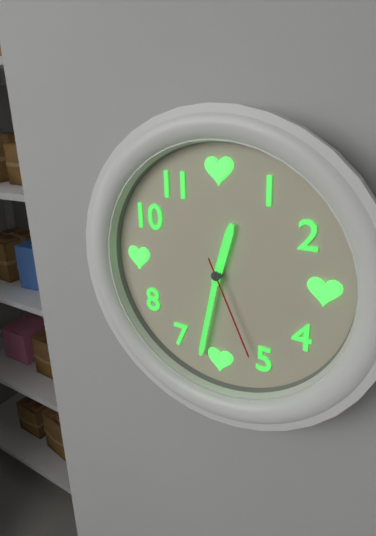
12:32:26
